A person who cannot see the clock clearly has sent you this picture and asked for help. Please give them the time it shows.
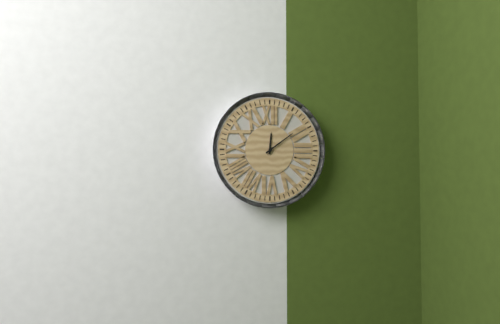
12:09
